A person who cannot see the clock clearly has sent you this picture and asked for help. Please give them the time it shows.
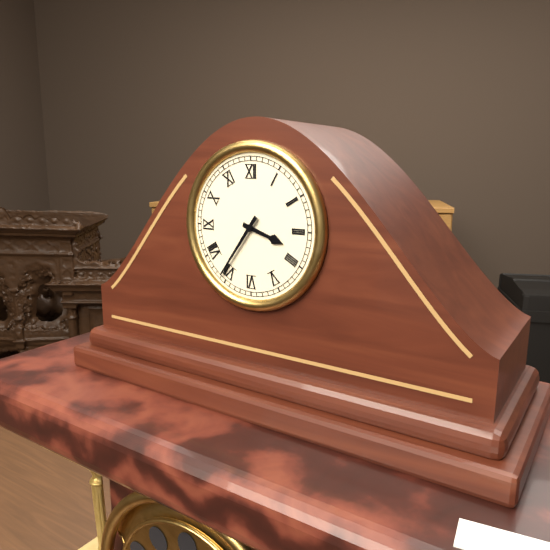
3:36
